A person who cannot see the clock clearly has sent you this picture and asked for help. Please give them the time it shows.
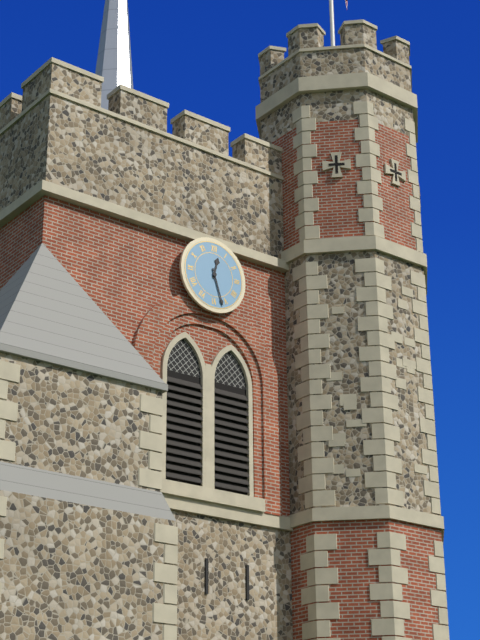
12:27
